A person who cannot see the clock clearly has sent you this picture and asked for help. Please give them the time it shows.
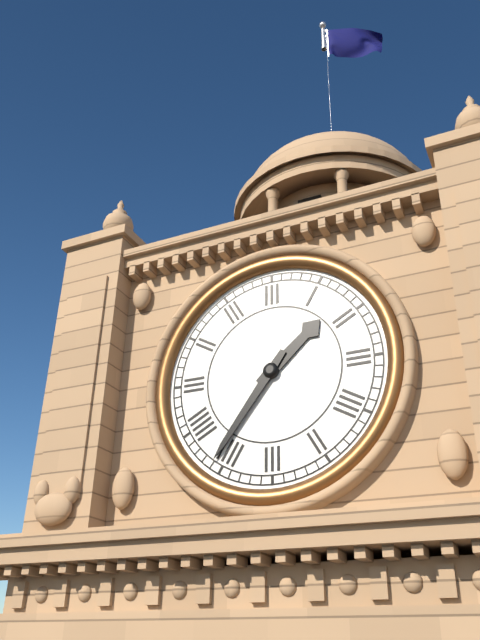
1:36
